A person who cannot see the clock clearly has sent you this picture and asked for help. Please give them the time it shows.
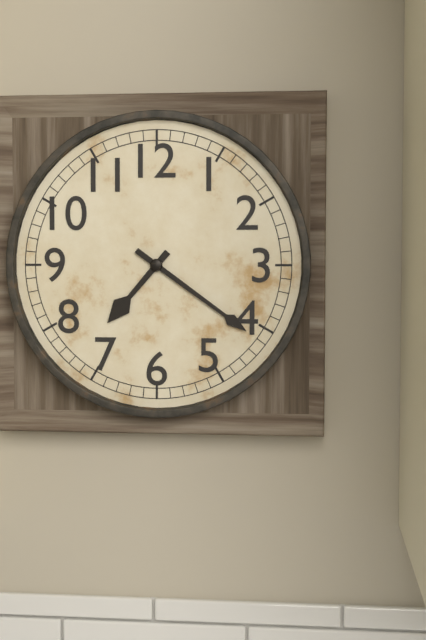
7:21
